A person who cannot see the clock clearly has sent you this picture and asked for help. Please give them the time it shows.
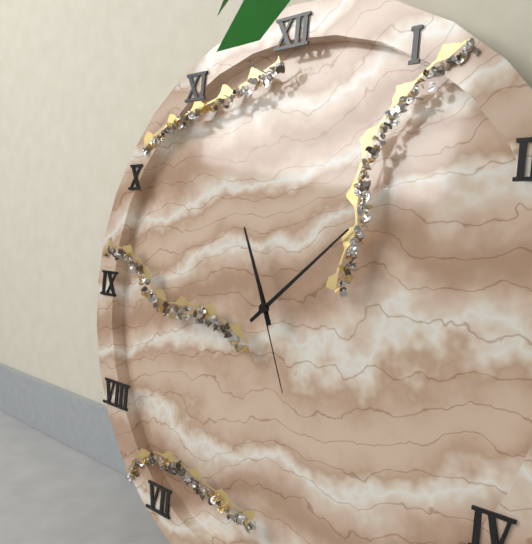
11:08:26
